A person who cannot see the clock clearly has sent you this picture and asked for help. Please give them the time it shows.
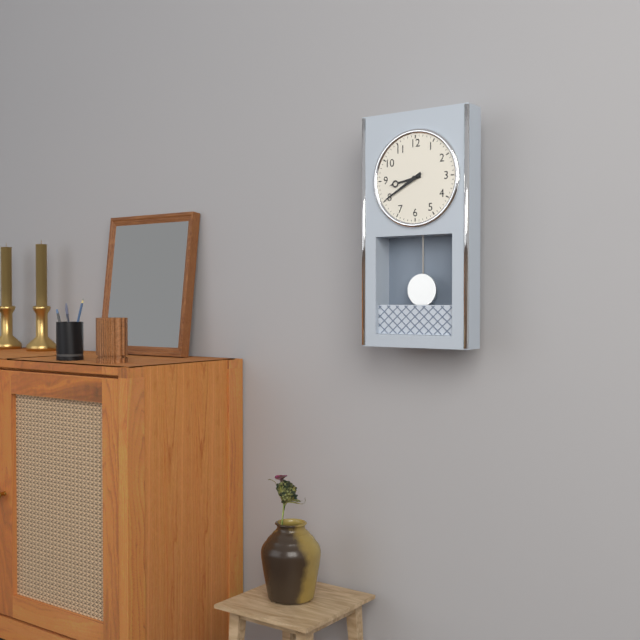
8:40
